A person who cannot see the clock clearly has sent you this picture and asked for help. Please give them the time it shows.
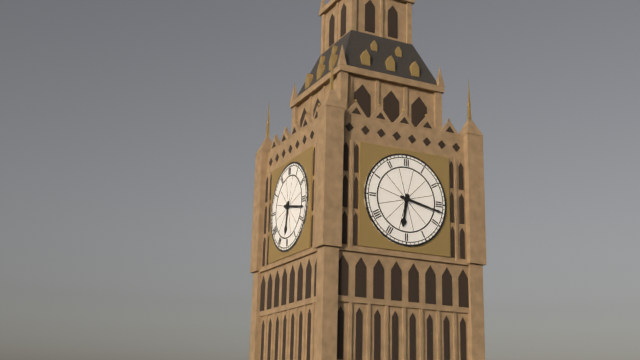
6:17
